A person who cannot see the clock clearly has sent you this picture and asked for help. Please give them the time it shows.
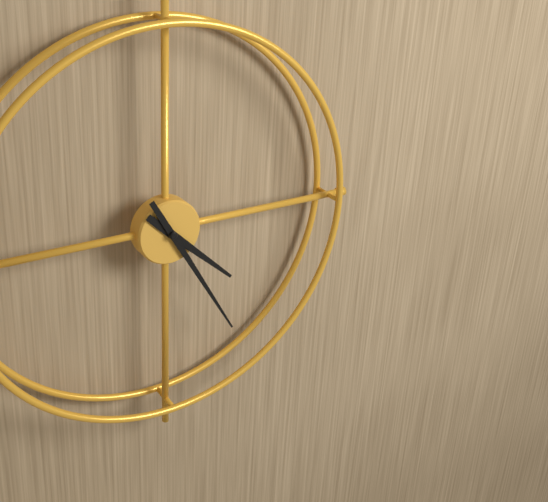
4:25
